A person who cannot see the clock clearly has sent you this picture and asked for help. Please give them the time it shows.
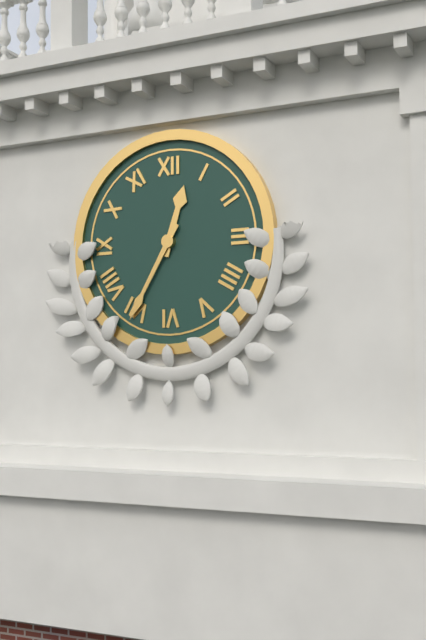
12:35
